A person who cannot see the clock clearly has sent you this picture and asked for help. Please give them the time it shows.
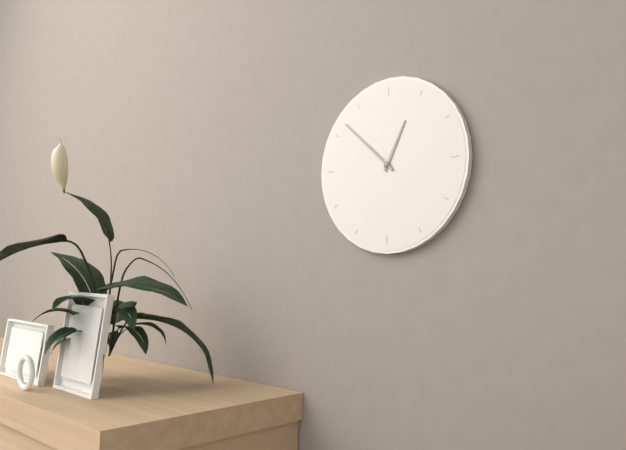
12:52
